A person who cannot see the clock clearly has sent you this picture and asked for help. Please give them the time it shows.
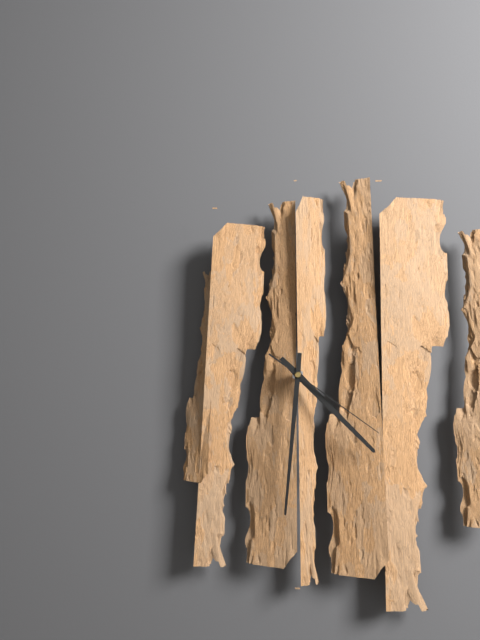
4:31:21
